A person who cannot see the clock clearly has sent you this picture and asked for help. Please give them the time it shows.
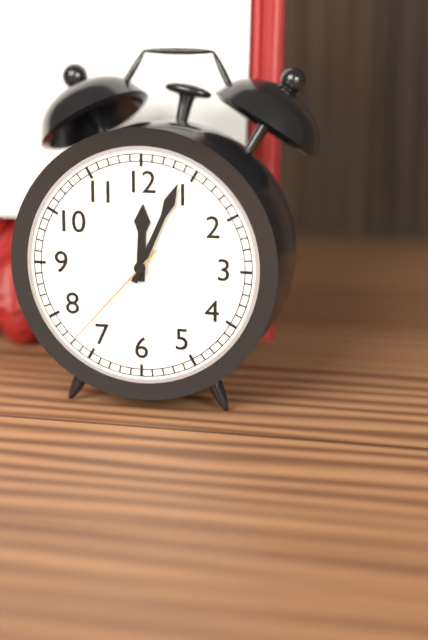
12:04:37
